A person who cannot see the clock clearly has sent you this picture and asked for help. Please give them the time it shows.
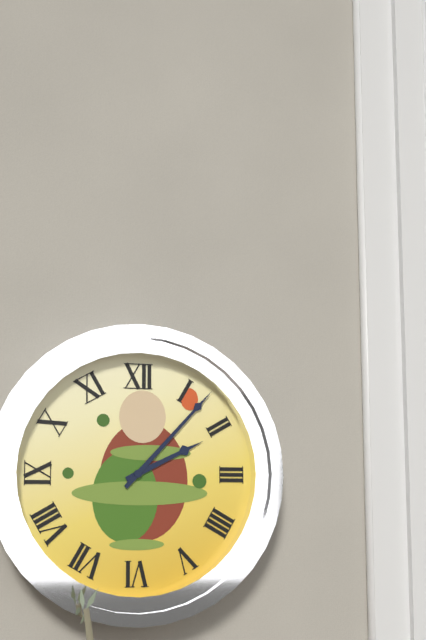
2:07
